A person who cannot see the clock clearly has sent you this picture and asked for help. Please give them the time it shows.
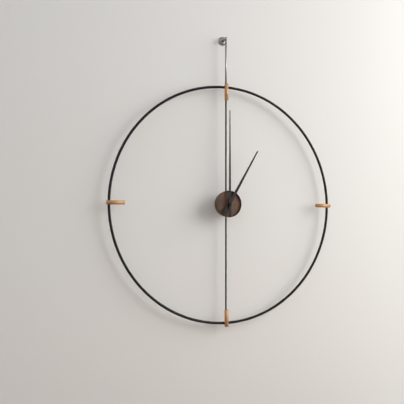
1:00
